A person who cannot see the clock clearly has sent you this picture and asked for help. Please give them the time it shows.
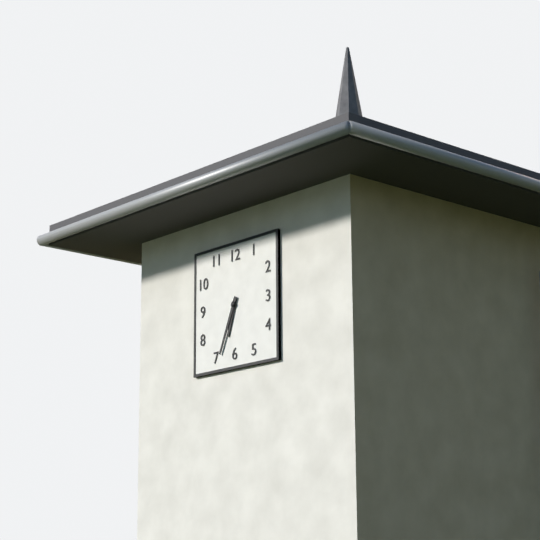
6:34
